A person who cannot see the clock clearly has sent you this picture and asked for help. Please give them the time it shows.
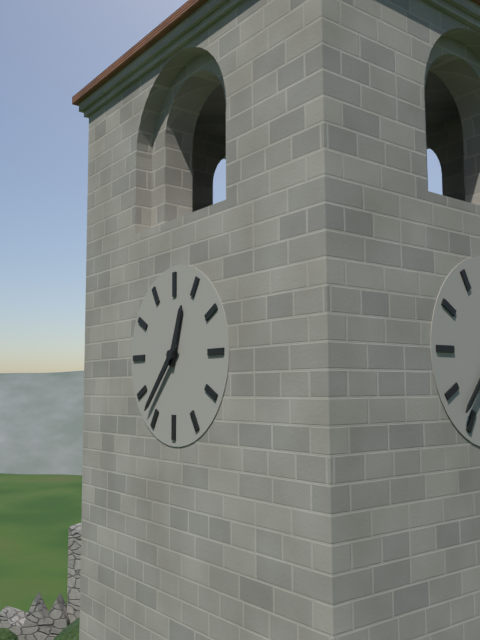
12:37
